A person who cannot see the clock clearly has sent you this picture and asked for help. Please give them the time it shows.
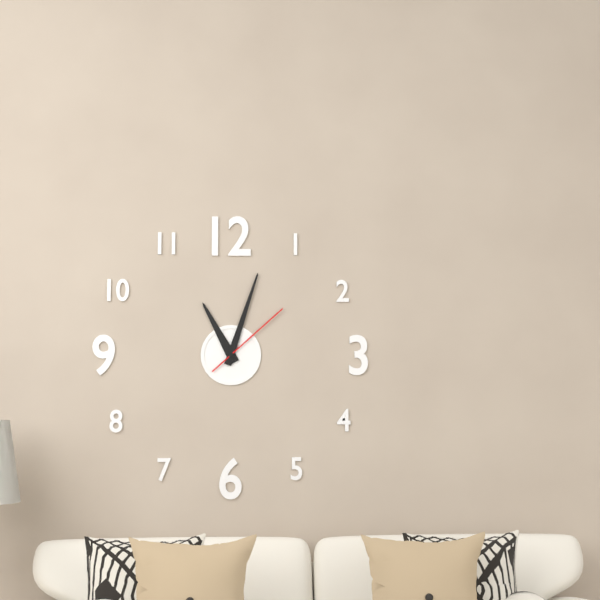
11:03:08
